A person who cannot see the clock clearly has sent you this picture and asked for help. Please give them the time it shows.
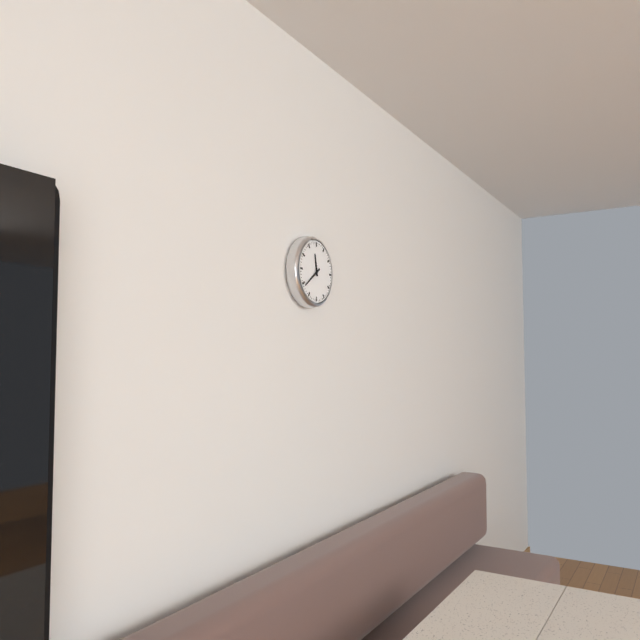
11:39
